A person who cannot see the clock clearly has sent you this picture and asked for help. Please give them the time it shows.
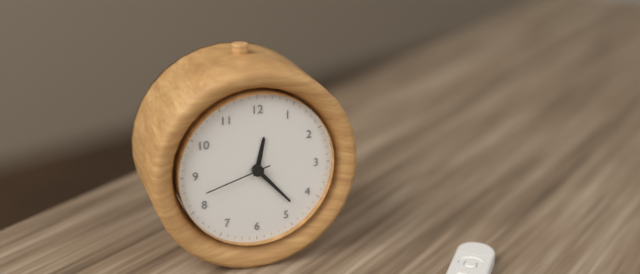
12:23:42
